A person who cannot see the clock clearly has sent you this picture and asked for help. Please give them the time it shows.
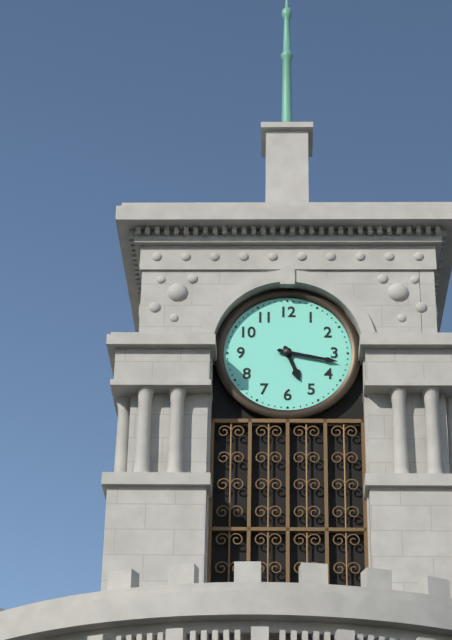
5:17
